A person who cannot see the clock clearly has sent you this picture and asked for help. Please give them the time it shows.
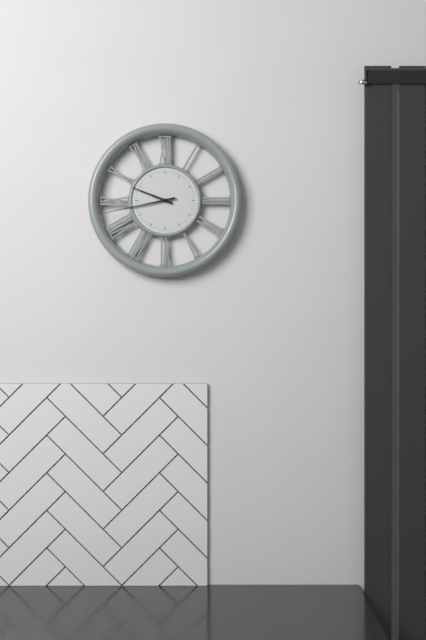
9:43
